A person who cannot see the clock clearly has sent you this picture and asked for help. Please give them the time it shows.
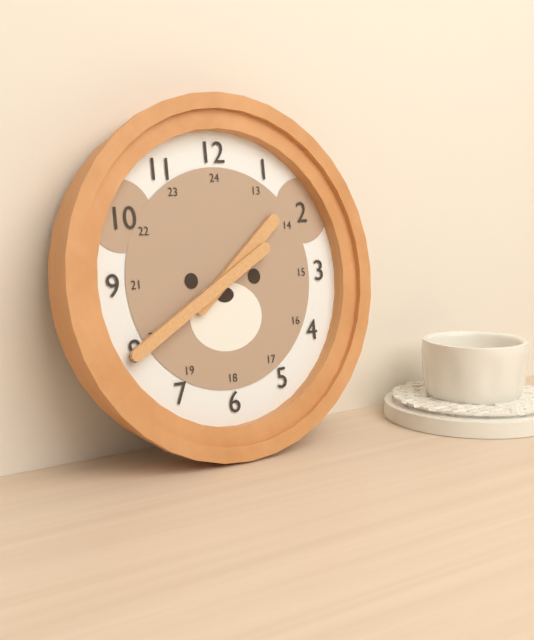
1:40
